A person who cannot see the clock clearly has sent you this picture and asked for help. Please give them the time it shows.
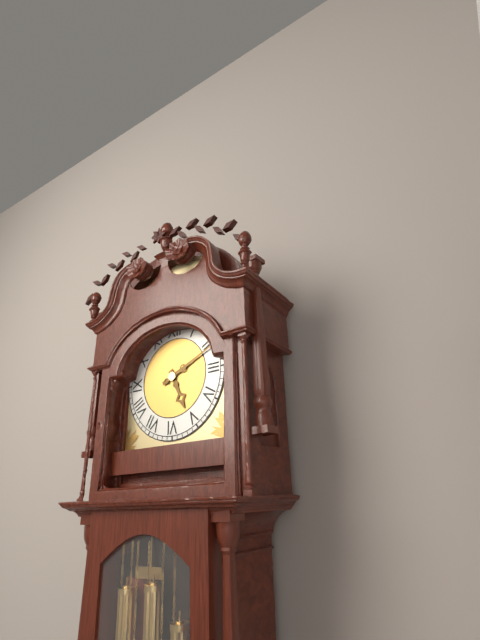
5:11
